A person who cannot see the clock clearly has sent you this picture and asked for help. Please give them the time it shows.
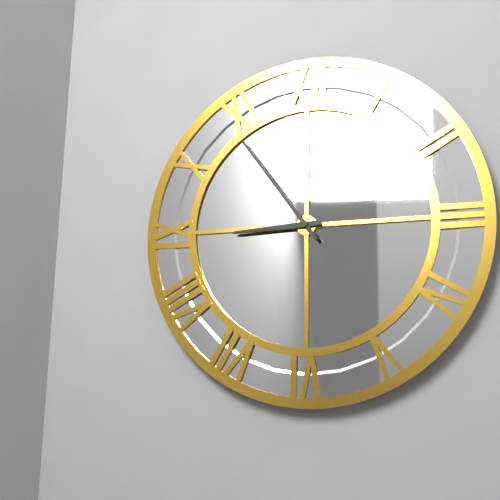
8:54
